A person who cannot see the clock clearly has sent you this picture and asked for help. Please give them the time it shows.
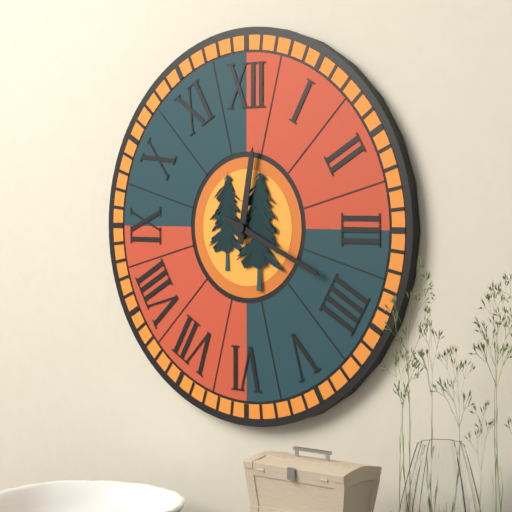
12:19
